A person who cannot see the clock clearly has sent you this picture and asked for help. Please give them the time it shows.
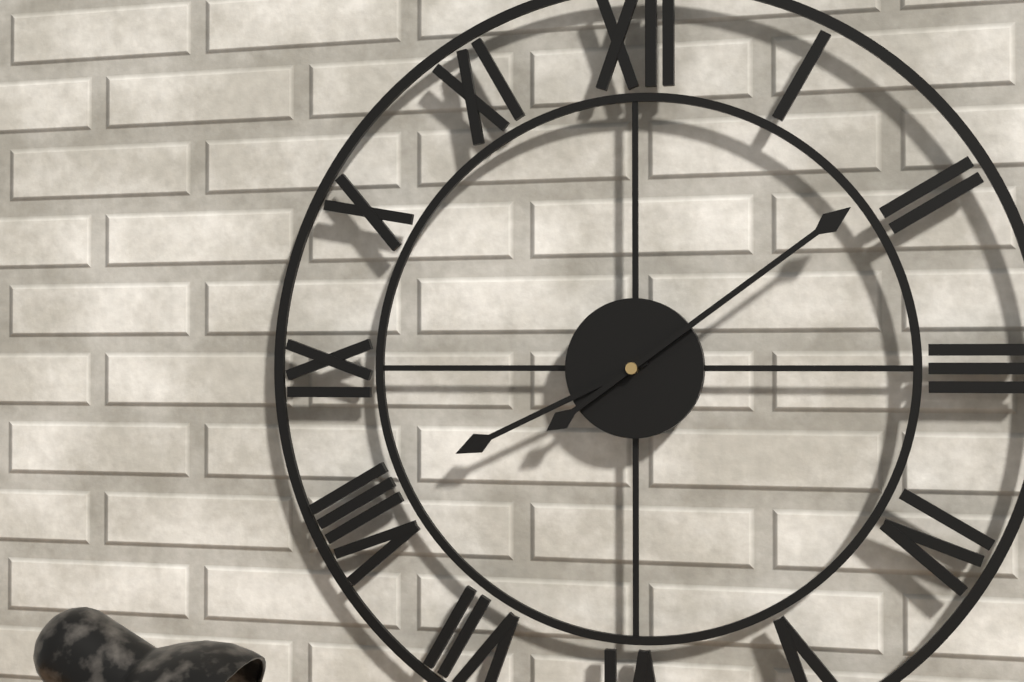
8:09
